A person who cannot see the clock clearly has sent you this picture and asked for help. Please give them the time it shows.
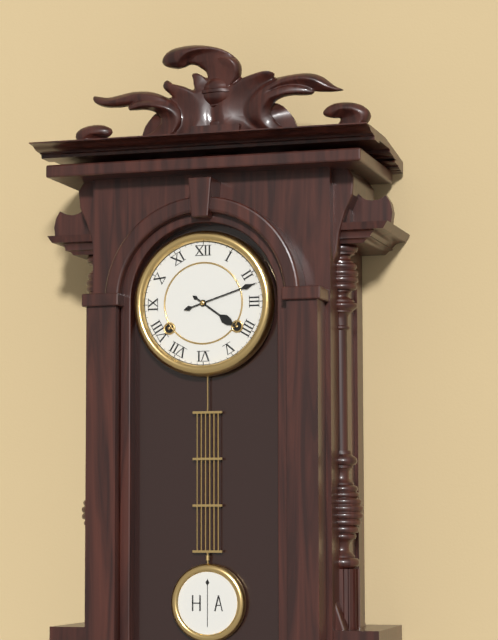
4:12
